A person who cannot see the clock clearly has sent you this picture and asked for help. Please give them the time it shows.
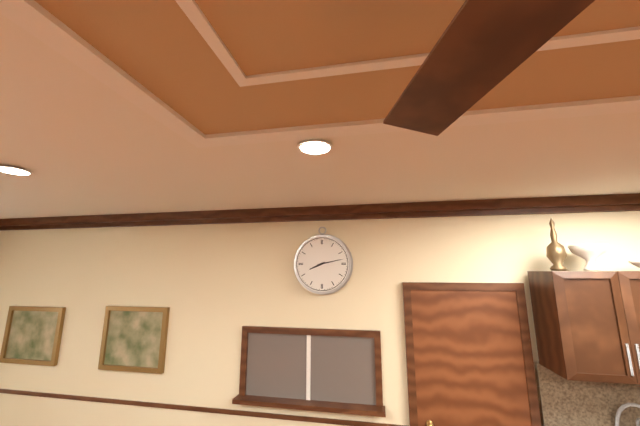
8:13
